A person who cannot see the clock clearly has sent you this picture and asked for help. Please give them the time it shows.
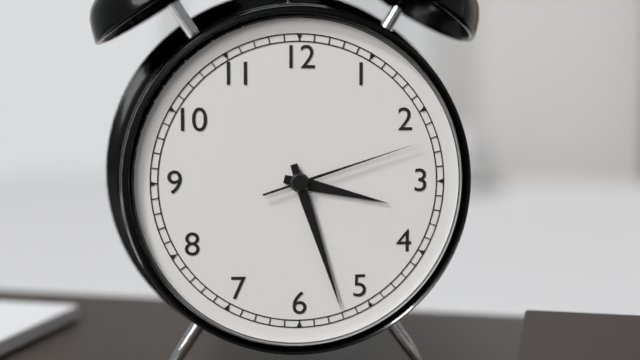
3:27:12
